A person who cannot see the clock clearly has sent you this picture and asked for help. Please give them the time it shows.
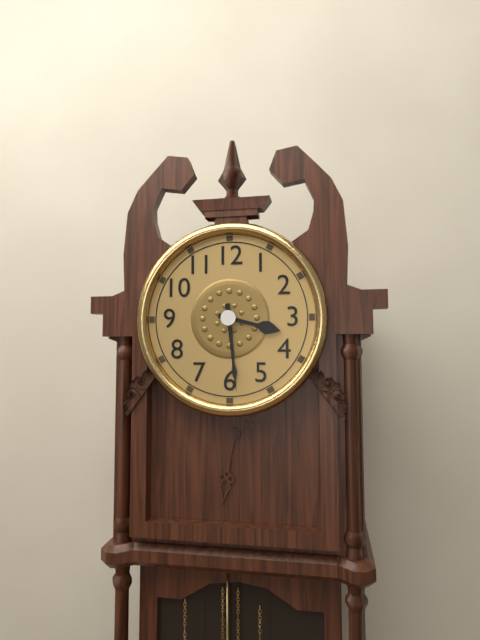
3:29
